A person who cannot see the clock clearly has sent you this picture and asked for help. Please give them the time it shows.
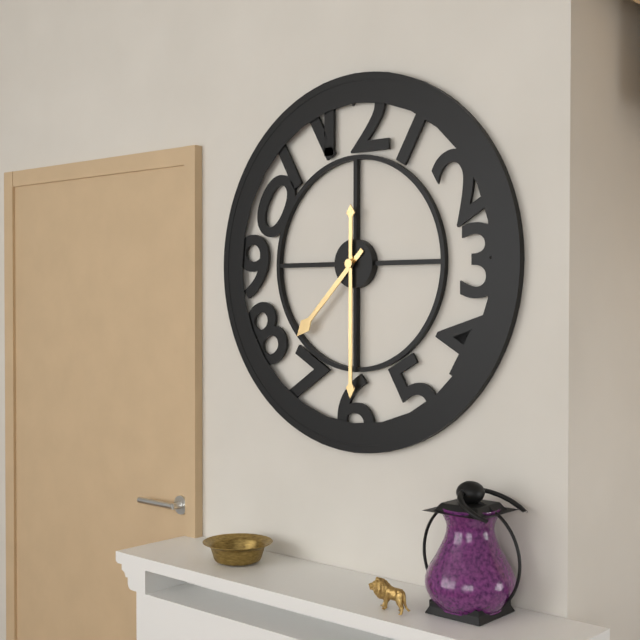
7:30
